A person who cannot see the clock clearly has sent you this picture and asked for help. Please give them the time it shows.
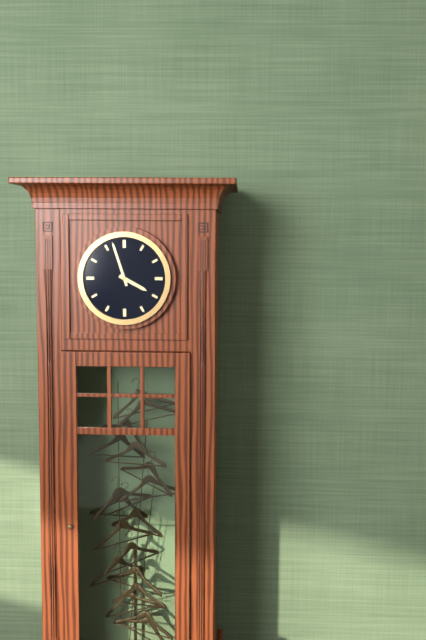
3:57
